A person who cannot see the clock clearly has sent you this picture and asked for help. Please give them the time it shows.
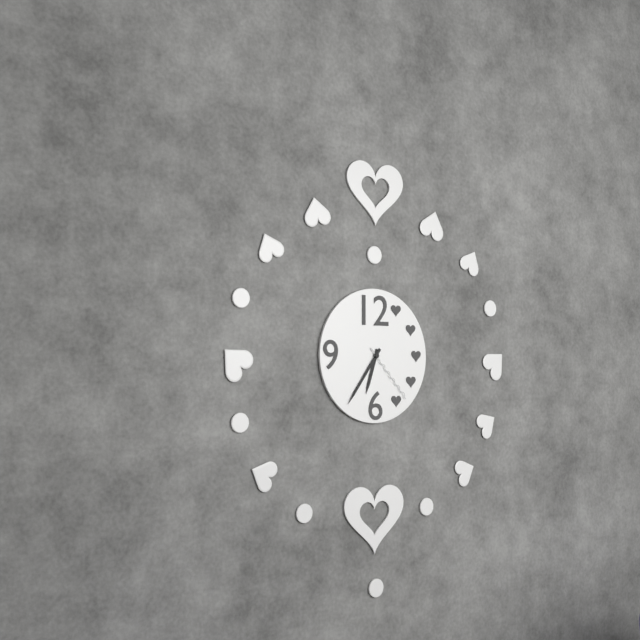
6:36:23
